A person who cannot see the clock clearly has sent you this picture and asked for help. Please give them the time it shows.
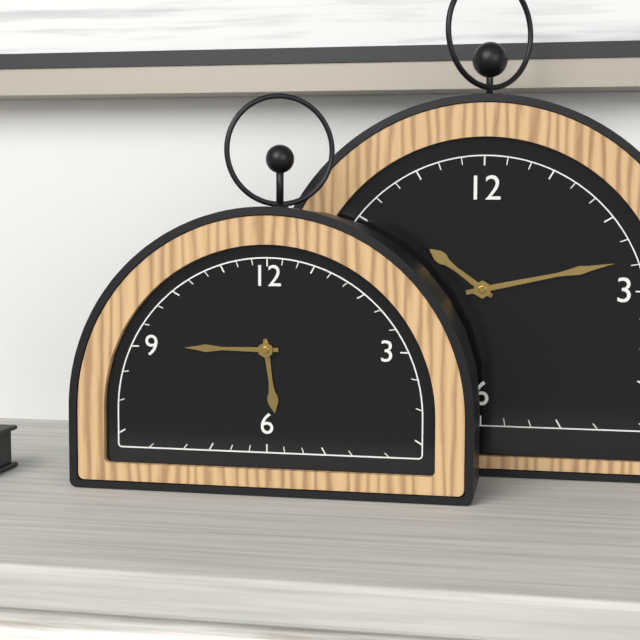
5:45
